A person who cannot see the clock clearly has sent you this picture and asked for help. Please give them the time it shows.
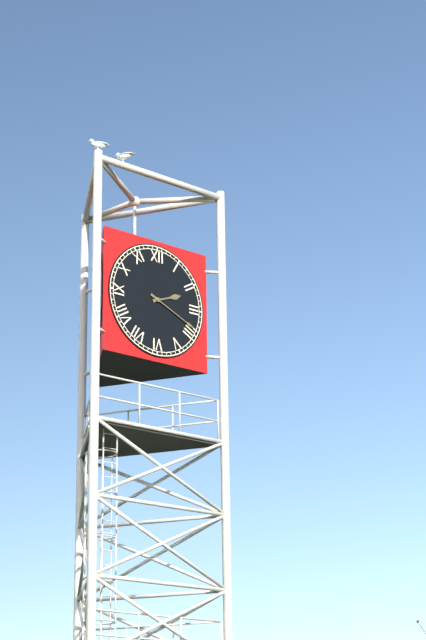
2:19
